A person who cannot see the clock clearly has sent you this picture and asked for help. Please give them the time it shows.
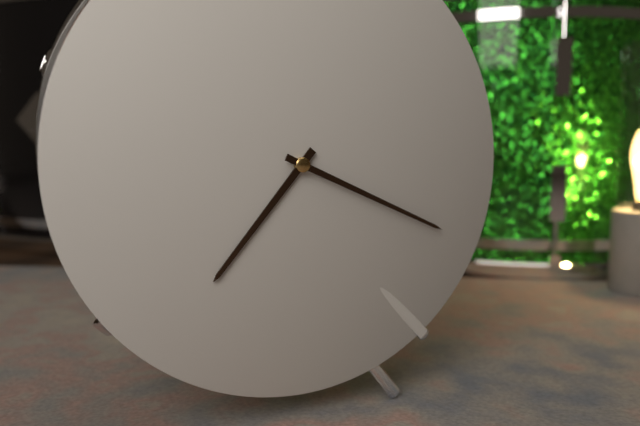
7:19
